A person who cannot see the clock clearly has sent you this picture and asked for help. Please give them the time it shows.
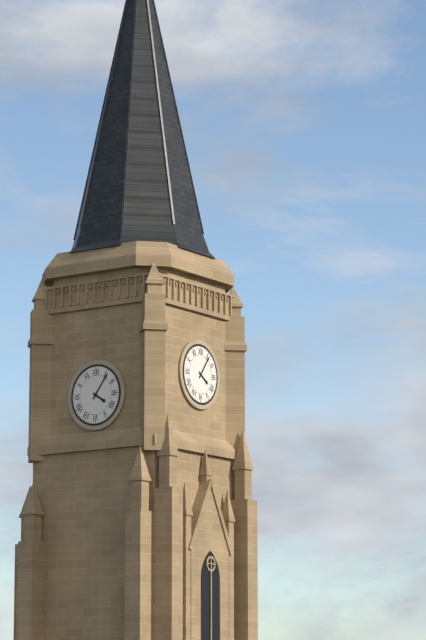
4:06
